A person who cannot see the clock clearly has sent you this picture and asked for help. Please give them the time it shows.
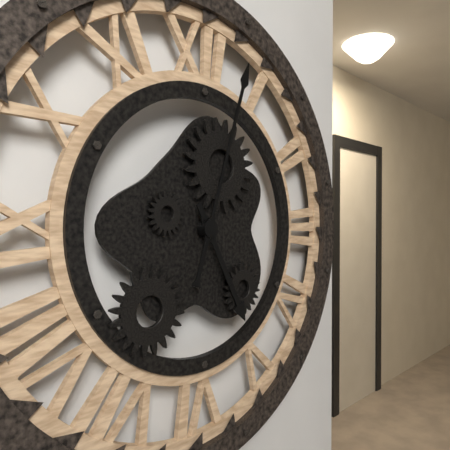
5:03
